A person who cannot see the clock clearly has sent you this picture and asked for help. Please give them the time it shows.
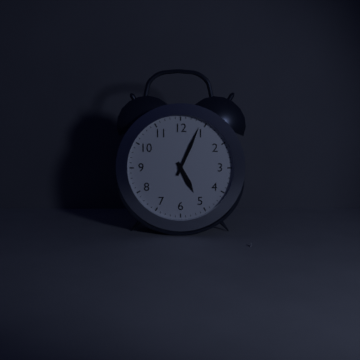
5:04
